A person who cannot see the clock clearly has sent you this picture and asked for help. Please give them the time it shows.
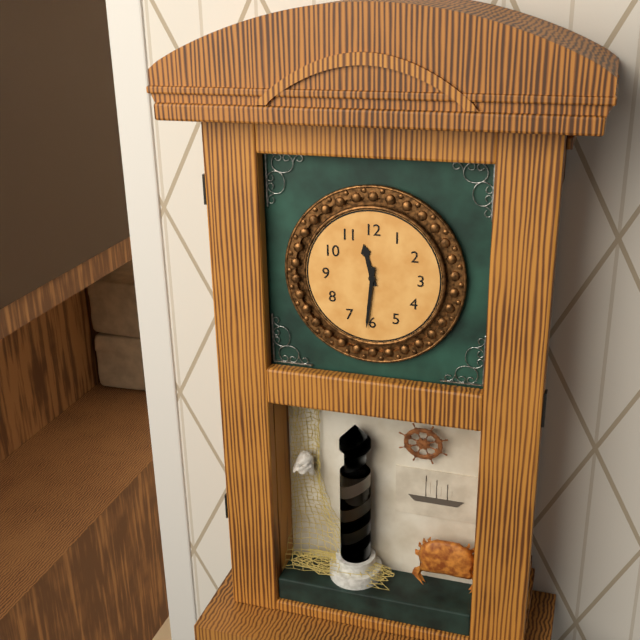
11:31
